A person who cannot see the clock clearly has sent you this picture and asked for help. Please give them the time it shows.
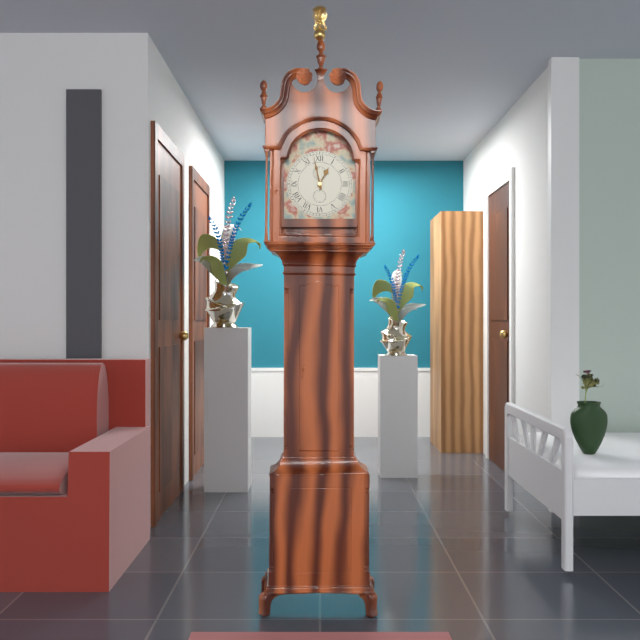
12:58
